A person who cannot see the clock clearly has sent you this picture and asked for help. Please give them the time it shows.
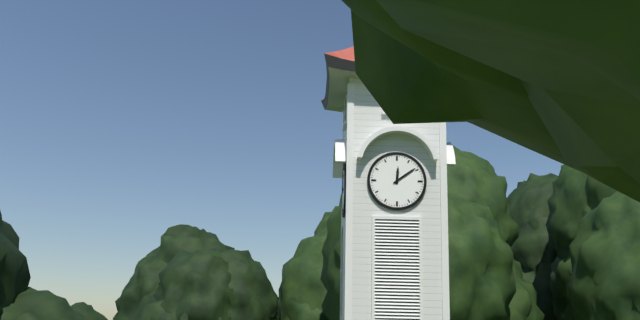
12:09
